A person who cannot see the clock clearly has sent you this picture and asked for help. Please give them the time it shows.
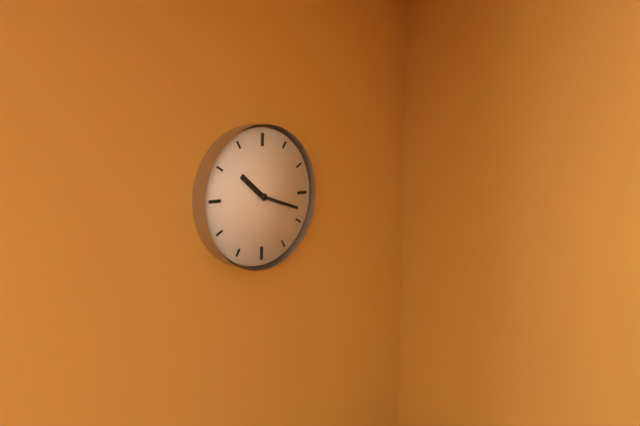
10:18
